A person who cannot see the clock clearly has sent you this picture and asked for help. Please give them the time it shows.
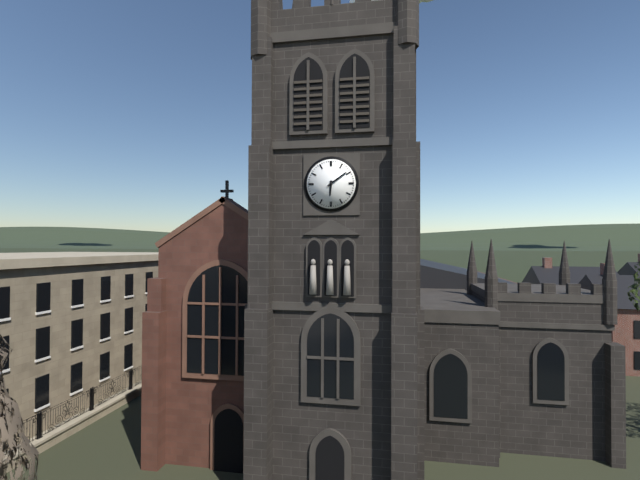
6:09
